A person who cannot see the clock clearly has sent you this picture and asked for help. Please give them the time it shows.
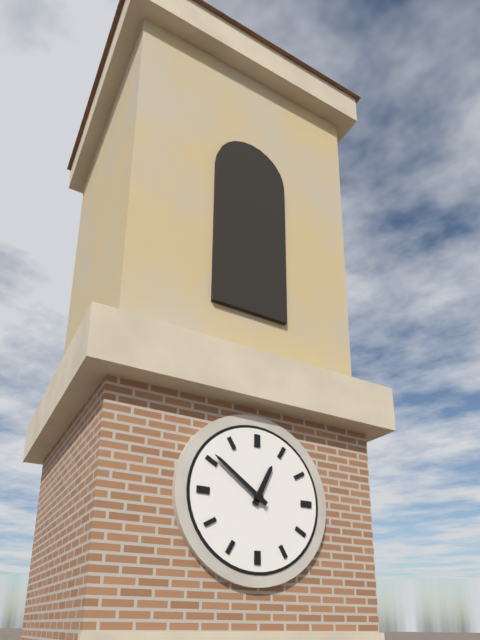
12:51
